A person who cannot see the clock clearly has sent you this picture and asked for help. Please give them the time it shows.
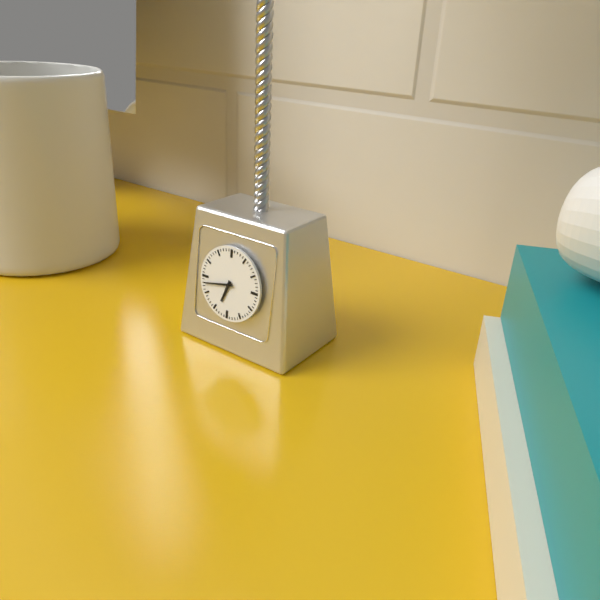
6:43
